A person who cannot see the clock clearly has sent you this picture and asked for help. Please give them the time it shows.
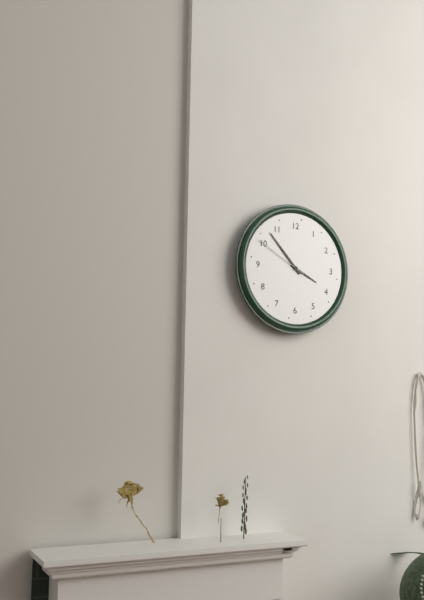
3:53:50
